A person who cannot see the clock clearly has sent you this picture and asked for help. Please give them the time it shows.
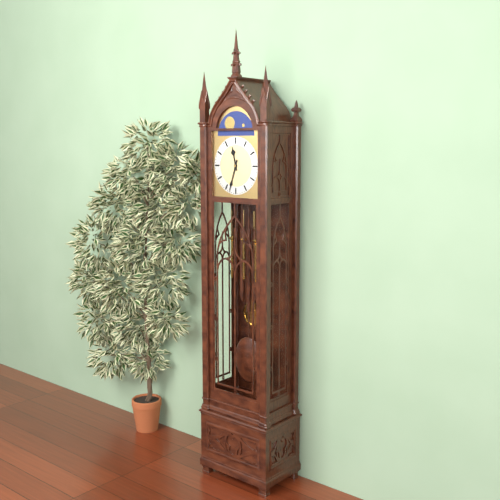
11:33
